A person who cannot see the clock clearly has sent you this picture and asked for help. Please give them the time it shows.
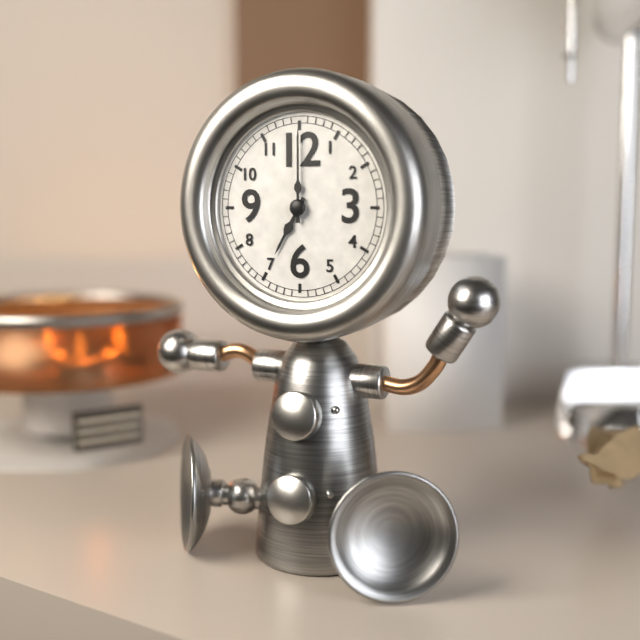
7:00
